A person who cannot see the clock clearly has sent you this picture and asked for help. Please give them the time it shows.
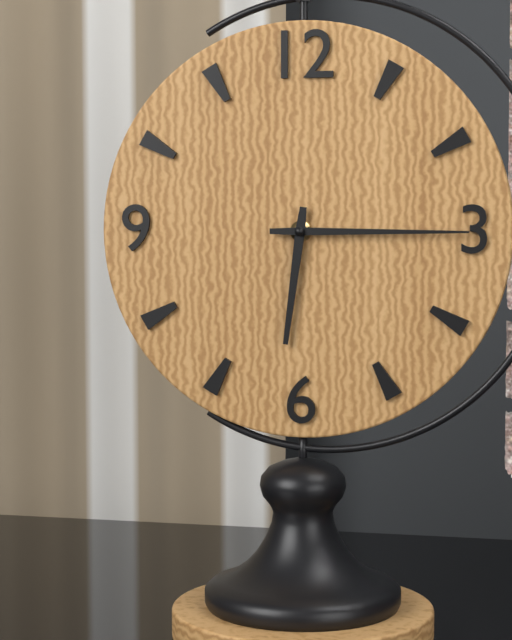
6:15
